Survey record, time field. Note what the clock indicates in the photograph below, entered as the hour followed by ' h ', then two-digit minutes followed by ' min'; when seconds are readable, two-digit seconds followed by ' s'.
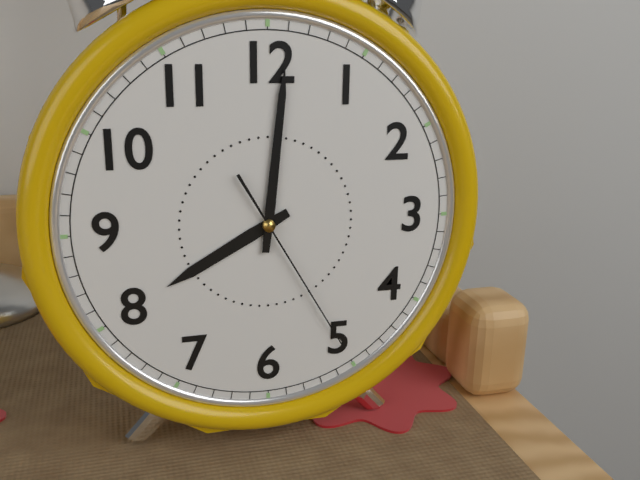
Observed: 8 h 01 min 25 s
